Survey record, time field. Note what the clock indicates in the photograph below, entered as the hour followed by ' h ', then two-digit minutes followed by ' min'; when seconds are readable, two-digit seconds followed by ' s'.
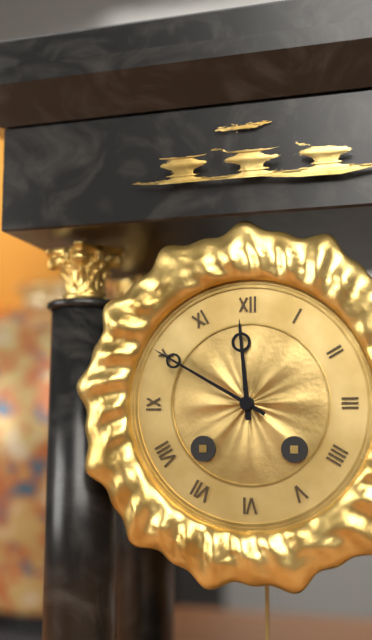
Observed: 11 h 50 min
